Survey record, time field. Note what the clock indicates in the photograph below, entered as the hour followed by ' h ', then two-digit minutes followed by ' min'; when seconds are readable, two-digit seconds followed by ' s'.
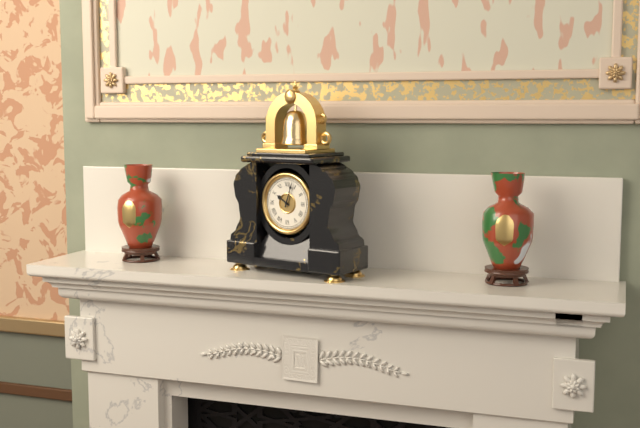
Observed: 10 h 03 min
